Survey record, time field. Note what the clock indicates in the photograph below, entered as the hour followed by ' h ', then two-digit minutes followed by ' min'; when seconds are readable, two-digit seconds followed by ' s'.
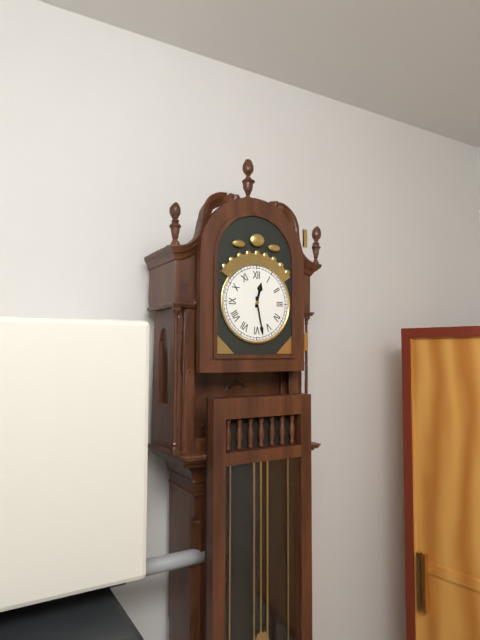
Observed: 12 h 28 min
